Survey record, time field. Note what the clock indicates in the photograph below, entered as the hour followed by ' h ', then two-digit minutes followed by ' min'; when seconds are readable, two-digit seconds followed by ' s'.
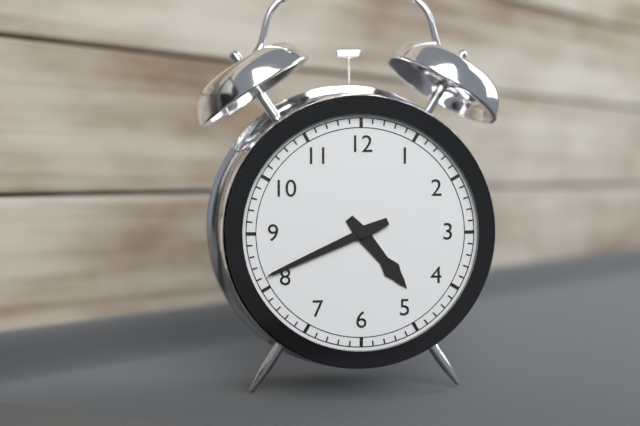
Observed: 4 h 41 min
